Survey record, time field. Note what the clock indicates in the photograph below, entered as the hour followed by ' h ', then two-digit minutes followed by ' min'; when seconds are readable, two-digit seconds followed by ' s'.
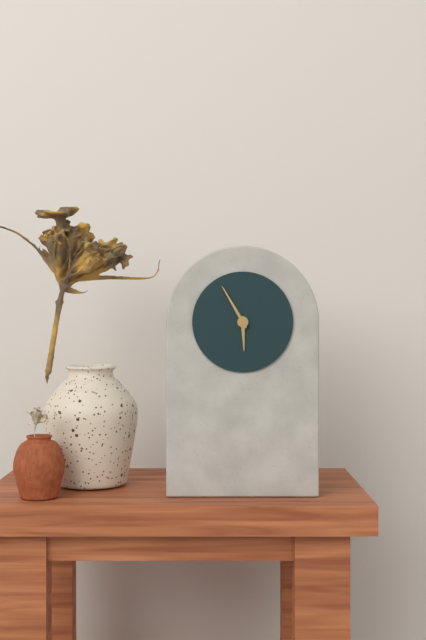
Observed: 5 h 55 min
